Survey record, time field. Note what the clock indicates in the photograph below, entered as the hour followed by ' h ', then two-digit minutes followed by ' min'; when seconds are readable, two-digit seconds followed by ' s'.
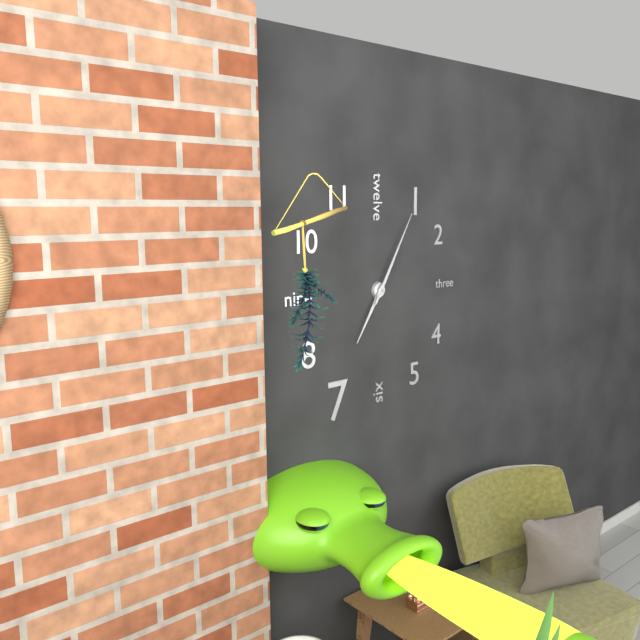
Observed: 7 h 05 min
